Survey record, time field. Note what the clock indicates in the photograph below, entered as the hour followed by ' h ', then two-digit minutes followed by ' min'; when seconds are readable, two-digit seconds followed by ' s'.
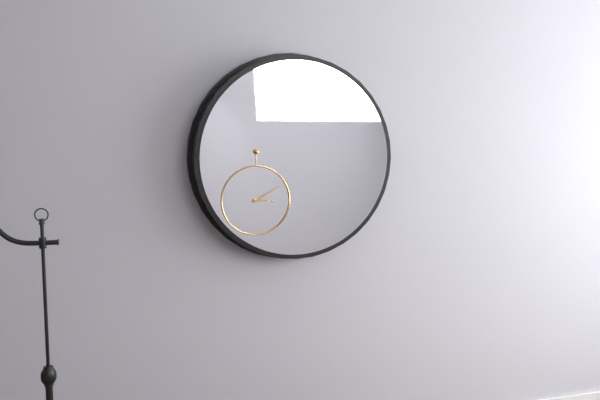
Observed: 3 h 10 min
